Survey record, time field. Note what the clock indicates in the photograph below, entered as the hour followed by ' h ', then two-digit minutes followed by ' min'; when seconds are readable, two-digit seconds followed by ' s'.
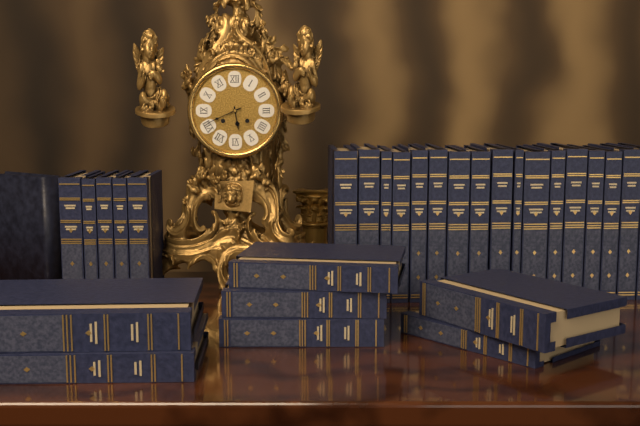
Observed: 5 h 41 min
